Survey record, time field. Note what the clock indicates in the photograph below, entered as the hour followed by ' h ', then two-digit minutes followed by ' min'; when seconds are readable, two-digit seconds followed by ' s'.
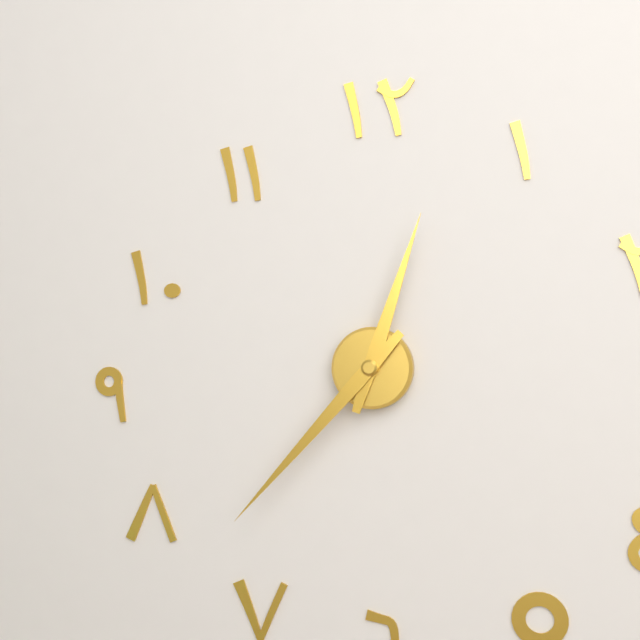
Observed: 12 h 37 min
